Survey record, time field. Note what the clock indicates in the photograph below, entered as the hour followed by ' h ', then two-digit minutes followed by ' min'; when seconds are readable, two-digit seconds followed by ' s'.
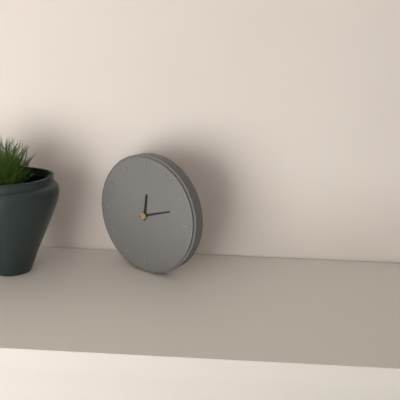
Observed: 12 h 12 min
